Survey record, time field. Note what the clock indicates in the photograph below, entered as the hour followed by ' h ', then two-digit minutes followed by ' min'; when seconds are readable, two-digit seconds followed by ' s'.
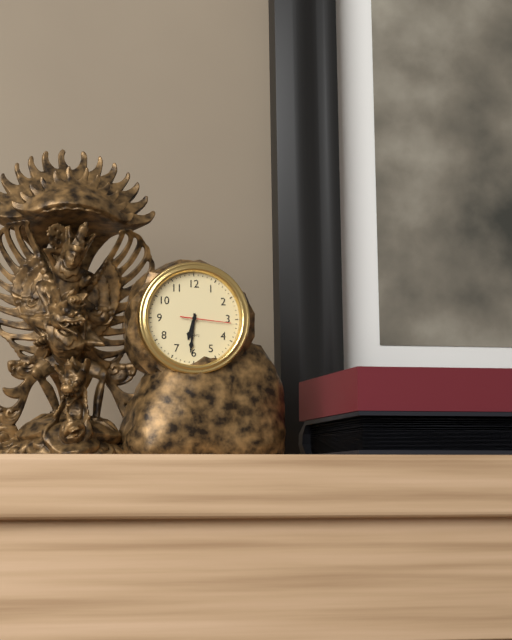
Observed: 6 h 31 min
